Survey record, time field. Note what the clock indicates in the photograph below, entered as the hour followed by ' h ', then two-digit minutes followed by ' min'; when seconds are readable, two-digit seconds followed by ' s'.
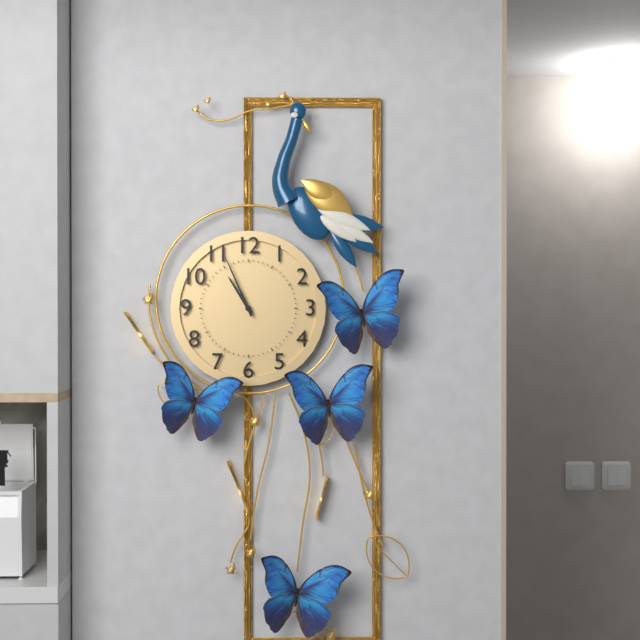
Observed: 10 h 56 min
